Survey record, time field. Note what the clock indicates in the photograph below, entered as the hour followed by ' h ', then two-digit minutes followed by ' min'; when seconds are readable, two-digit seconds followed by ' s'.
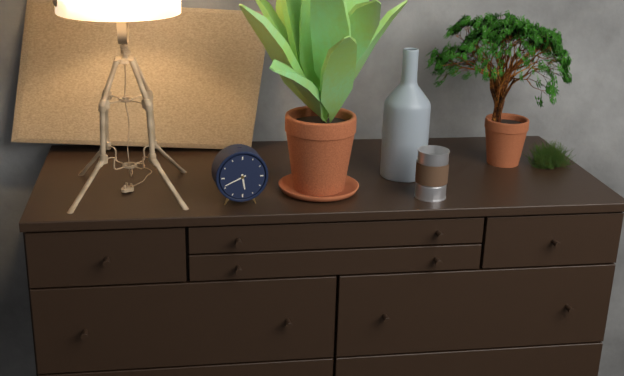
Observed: 5 h 41 min
